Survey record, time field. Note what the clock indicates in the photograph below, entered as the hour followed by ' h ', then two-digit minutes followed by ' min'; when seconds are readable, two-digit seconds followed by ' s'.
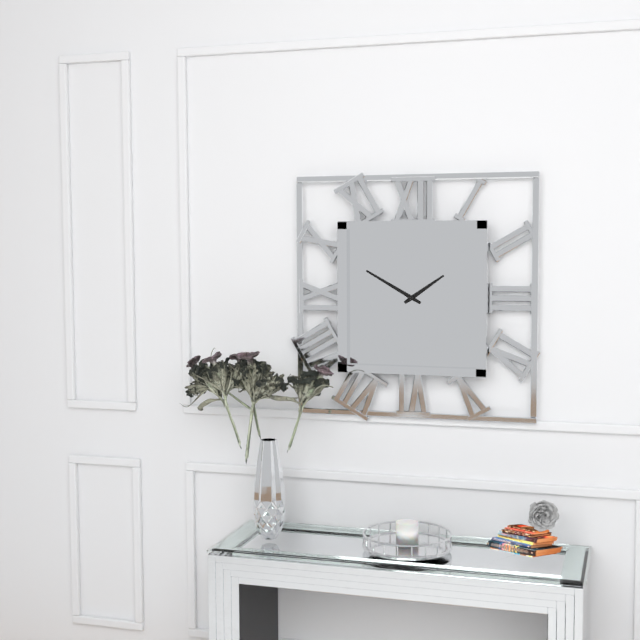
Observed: 1 h 50 min
